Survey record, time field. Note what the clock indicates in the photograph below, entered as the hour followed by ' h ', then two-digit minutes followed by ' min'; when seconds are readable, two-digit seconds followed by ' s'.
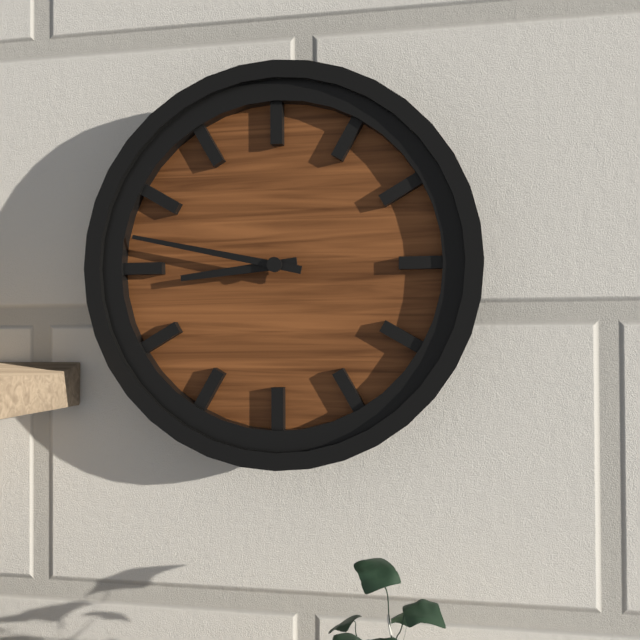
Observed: 8 h 47 min
